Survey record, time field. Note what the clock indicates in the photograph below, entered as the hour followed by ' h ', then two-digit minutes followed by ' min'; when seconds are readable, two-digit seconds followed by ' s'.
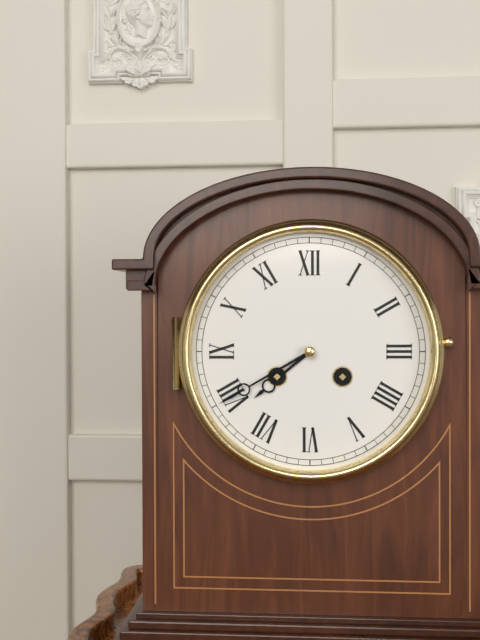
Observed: 7 h 40 min
